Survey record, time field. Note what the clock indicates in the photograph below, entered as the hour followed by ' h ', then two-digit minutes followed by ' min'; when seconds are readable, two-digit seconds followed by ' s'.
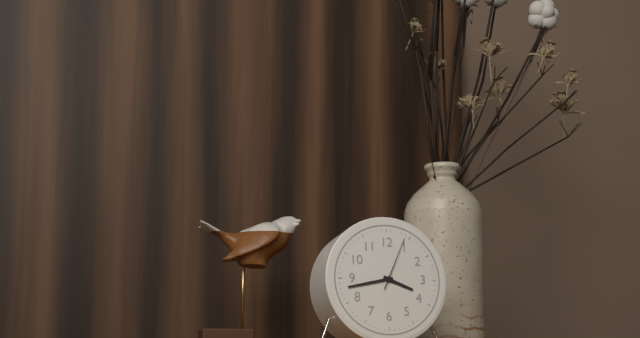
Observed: 3 h 43 min 04 s
